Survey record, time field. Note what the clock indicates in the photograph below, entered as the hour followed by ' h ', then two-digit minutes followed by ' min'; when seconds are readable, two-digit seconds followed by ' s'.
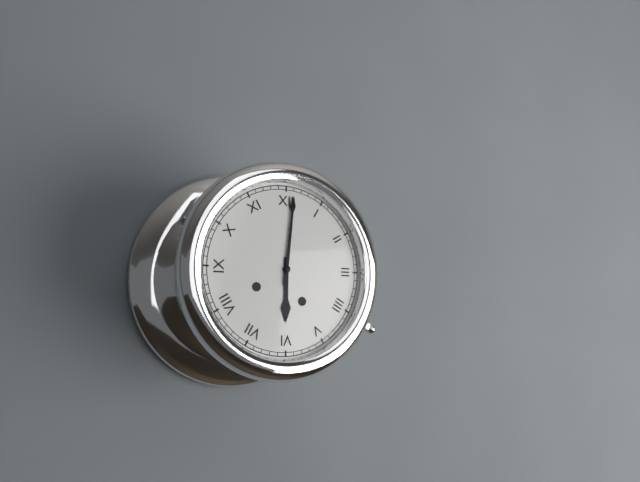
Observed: 6 h 01 min
